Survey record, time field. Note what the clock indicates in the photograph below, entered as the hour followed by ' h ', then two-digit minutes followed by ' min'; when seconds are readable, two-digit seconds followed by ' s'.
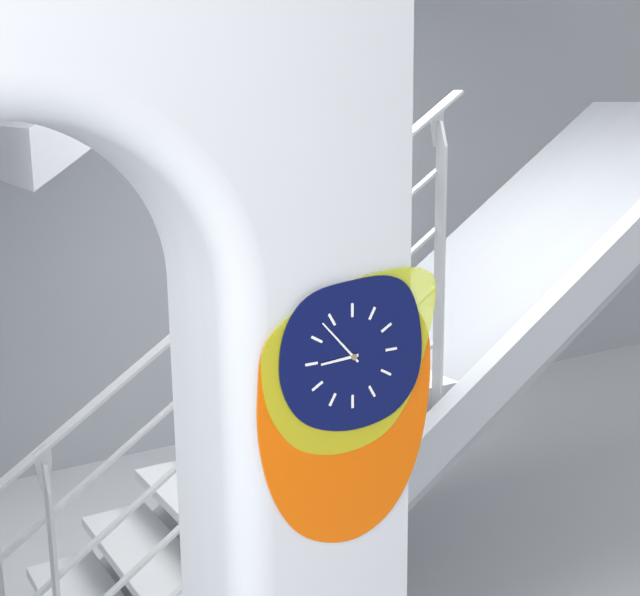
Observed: 8 h 53 min
